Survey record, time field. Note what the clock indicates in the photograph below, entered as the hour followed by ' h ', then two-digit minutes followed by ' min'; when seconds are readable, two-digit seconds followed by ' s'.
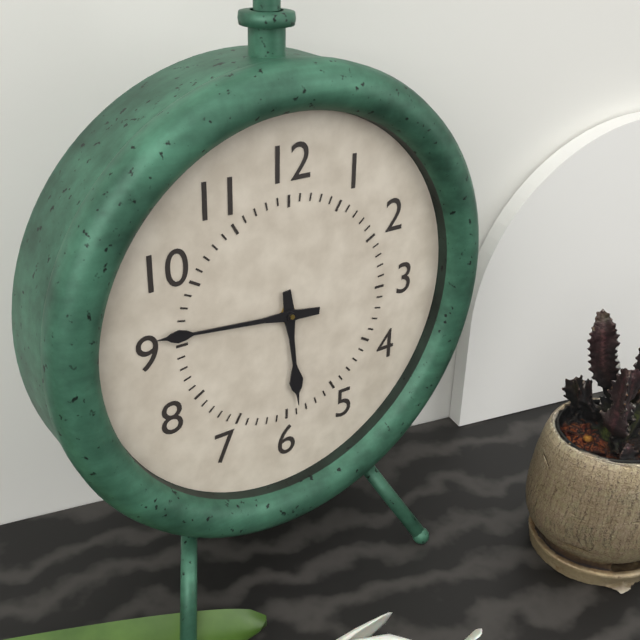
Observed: 5 h 46 min
